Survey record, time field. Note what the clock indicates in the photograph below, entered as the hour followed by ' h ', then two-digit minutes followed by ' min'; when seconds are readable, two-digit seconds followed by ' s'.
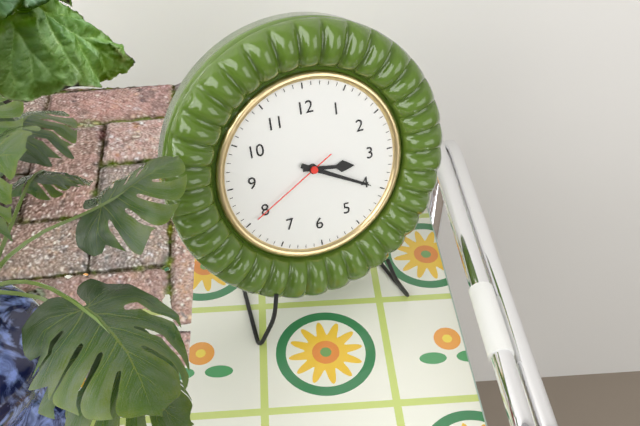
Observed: 3 h 20 min 40 s
